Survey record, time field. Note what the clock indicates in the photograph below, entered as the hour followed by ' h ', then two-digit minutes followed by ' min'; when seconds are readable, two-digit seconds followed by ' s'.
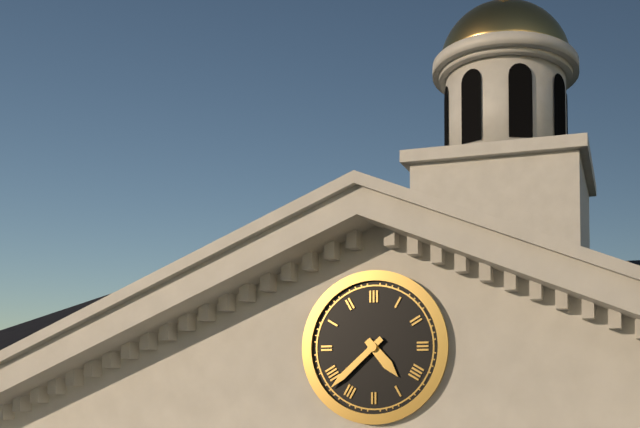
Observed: 4 h 38 min
